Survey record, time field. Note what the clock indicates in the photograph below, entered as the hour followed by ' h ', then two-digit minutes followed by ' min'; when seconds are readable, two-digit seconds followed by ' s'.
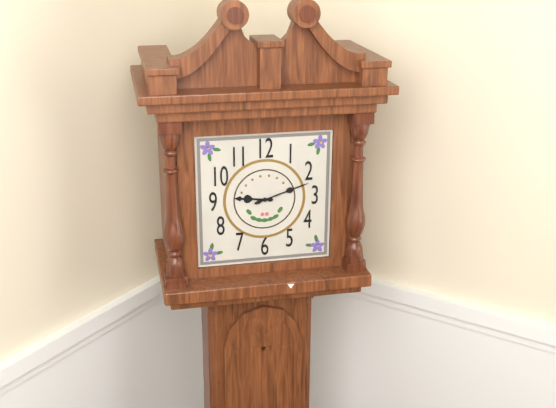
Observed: 9 h 12 min
